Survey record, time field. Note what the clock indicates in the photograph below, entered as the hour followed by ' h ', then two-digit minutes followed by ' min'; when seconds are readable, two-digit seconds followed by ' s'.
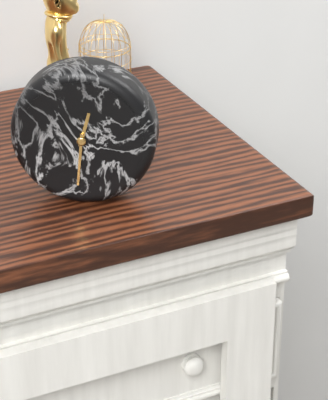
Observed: 12 h 31 min
